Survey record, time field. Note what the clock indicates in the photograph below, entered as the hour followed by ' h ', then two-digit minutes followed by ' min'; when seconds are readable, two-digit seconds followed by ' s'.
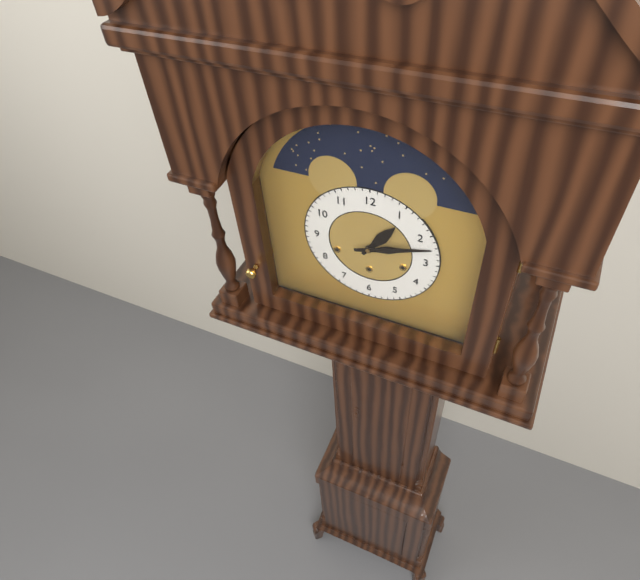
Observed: 1 h 12 min
